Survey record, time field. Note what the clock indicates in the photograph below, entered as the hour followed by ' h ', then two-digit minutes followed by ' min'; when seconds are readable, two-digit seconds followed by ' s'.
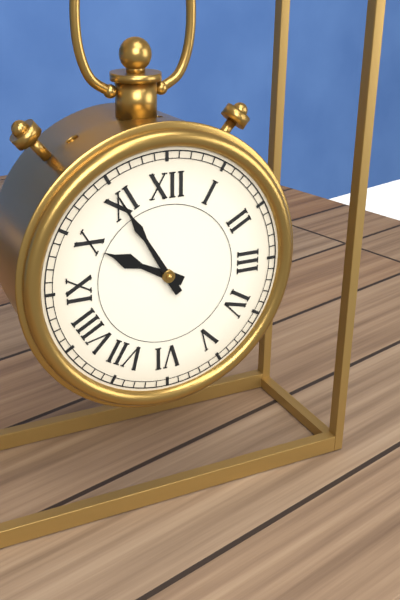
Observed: 9 h 55 min
